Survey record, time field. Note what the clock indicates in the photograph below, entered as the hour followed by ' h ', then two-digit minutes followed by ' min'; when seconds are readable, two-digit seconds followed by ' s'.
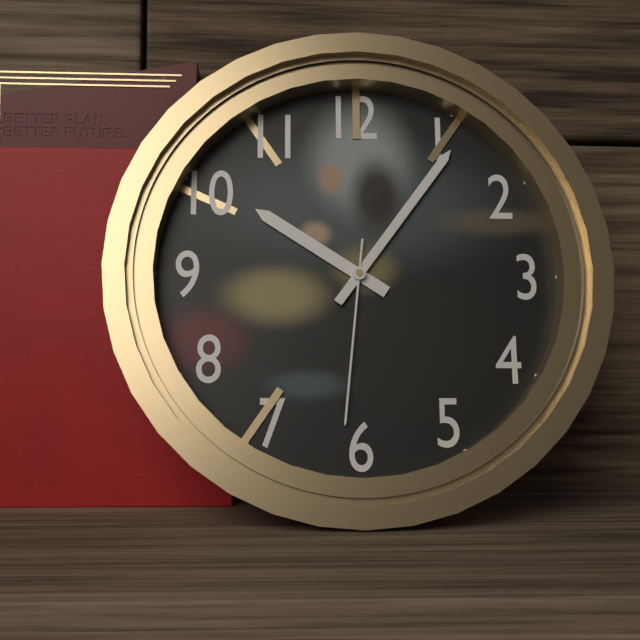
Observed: 10 h 06 min 31 s
